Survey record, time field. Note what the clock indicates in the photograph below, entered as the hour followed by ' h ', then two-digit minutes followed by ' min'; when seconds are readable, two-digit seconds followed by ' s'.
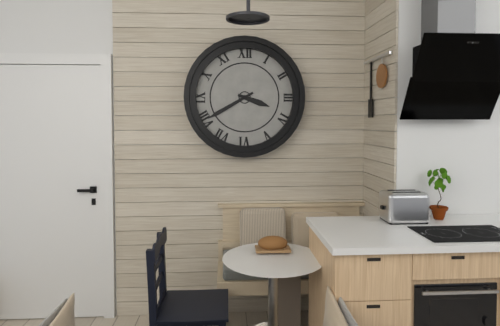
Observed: 3 h 40 min
